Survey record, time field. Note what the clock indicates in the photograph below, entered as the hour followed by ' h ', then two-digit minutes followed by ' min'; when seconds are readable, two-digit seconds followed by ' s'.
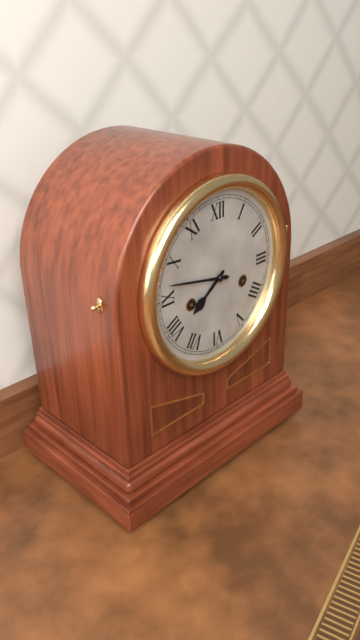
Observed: 7 h 47 min
